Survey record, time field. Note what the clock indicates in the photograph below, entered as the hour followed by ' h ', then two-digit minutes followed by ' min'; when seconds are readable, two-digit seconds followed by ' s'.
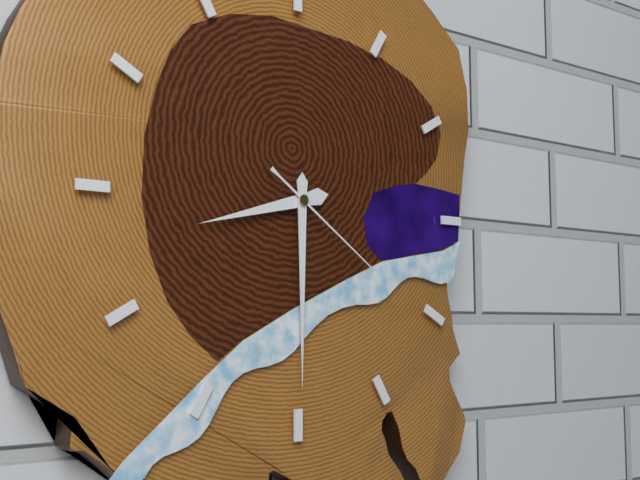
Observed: 8 h 30 min 21 s
